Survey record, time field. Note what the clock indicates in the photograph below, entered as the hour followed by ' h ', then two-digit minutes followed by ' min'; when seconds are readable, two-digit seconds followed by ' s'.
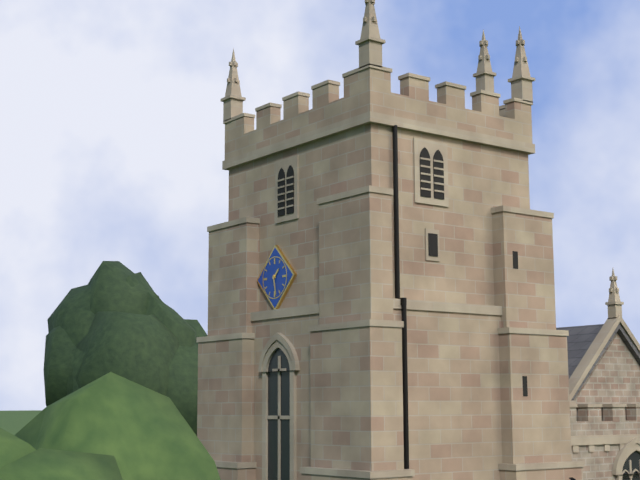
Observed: 1 h 28 min
